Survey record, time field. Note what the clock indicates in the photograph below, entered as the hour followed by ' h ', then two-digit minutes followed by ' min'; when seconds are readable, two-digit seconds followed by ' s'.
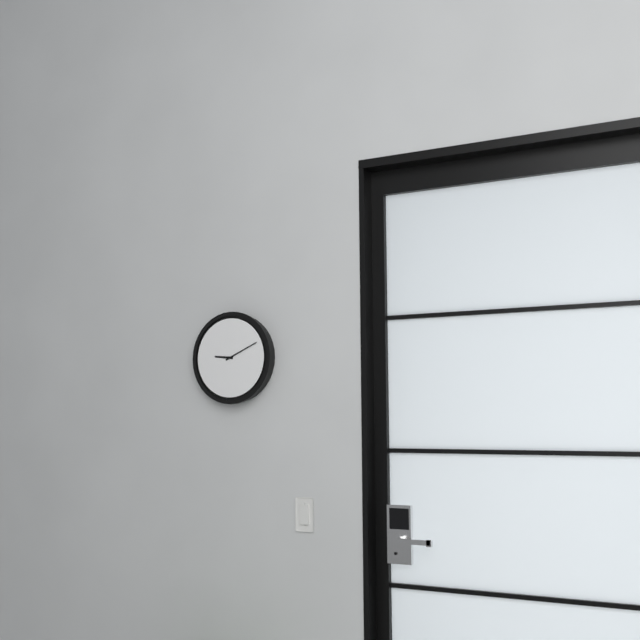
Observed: 9 h 11 min
